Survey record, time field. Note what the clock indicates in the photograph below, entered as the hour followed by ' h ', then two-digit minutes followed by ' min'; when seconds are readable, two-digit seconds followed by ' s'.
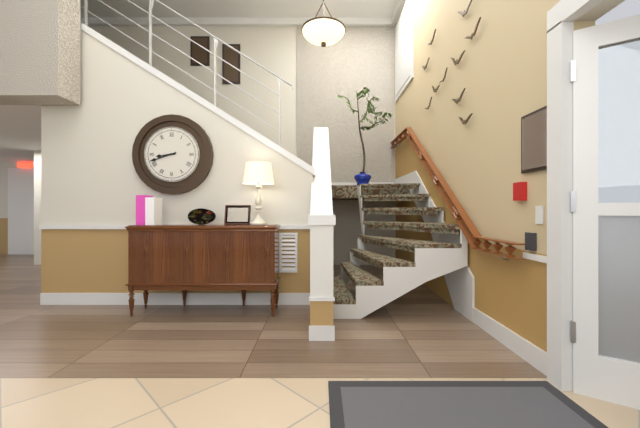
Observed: 8 h 42 min
